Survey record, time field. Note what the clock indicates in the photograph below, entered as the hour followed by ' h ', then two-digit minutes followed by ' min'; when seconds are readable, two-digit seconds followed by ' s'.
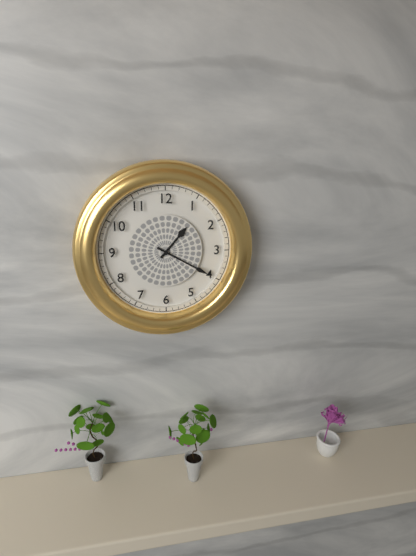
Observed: 1 h 20 min
